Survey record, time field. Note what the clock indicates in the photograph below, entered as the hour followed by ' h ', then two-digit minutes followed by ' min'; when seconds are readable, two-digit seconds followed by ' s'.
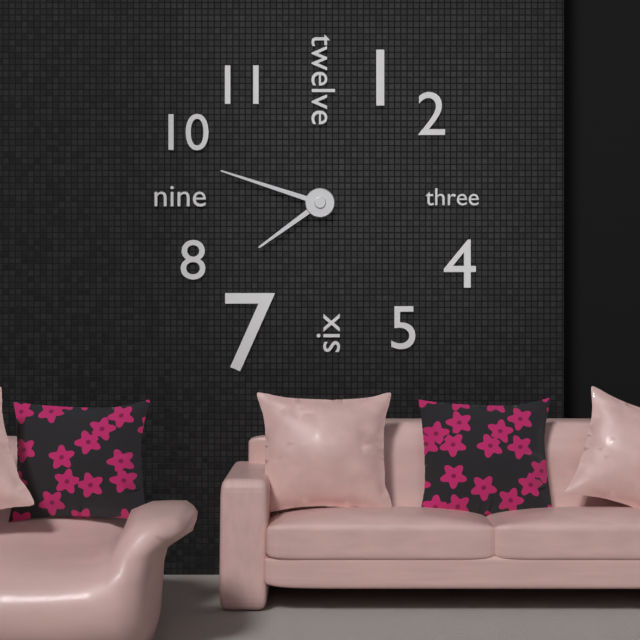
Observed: 7 h 48 min
